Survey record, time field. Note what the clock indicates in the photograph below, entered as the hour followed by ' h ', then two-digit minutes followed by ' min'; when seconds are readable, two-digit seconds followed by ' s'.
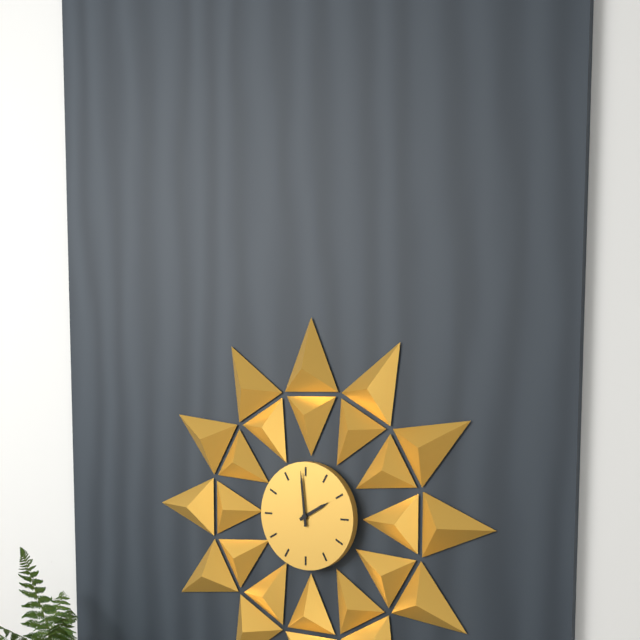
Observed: 1 h 59 min
